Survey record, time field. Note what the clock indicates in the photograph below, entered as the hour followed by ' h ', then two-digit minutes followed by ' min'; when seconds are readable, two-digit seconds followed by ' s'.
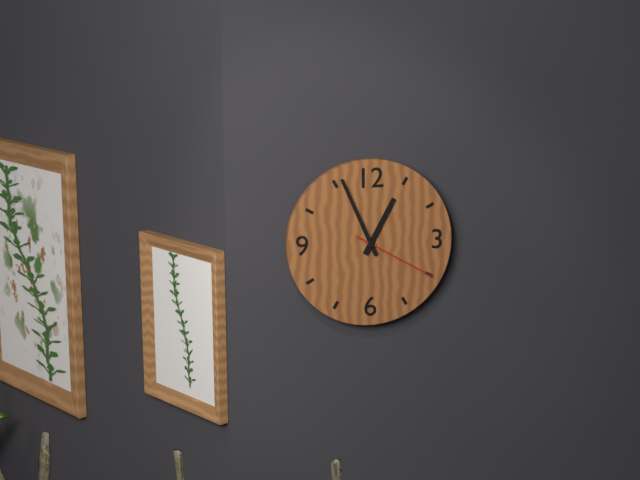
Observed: 12 h 56 min 20 s
